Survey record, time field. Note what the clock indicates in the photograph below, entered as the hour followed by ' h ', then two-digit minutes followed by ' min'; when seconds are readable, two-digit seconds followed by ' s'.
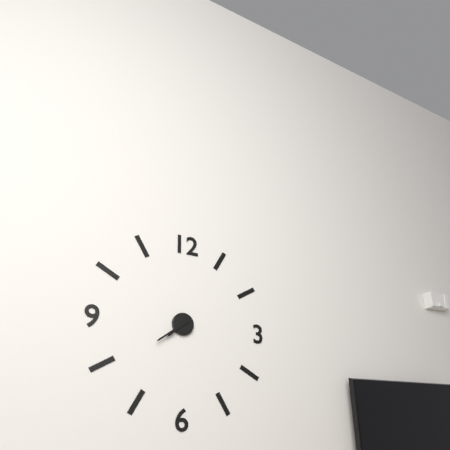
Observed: 7 h 39 min
